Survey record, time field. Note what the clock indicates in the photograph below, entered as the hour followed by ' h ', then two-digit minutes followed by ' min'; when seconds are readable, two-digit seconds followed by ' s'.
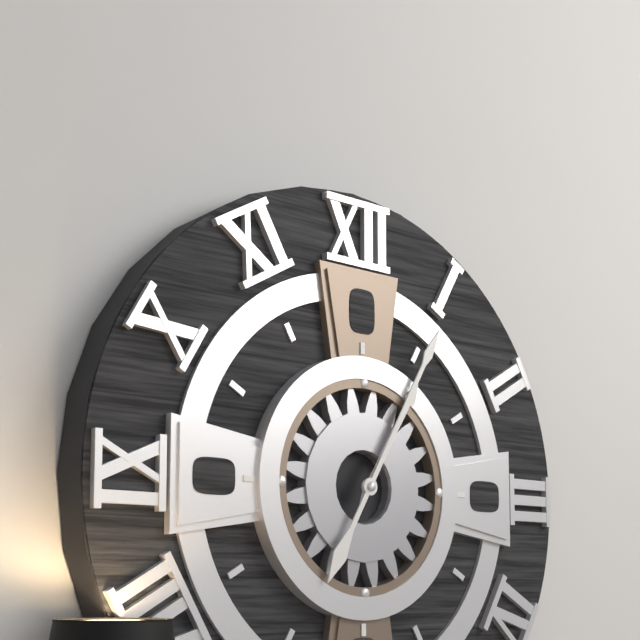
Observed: 1 h 05 min
